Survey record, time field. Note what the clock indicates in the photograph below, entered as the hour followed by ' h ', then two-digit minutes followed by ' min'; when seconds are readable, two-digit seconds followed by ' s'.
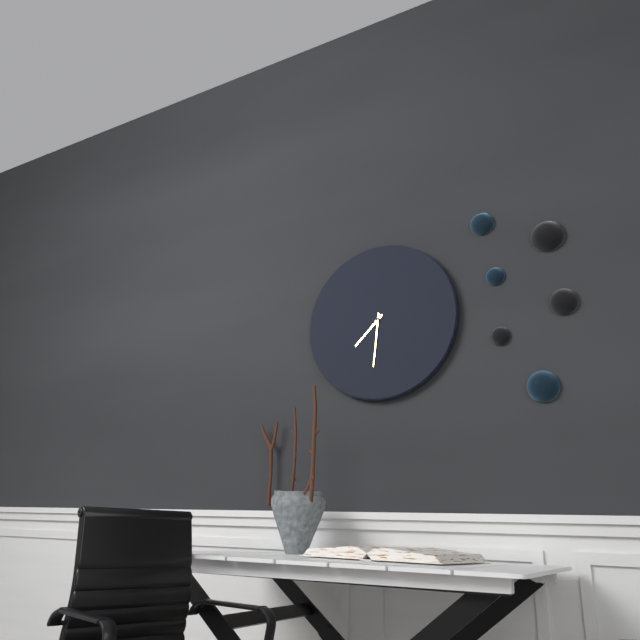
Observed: 7 h 31 min
